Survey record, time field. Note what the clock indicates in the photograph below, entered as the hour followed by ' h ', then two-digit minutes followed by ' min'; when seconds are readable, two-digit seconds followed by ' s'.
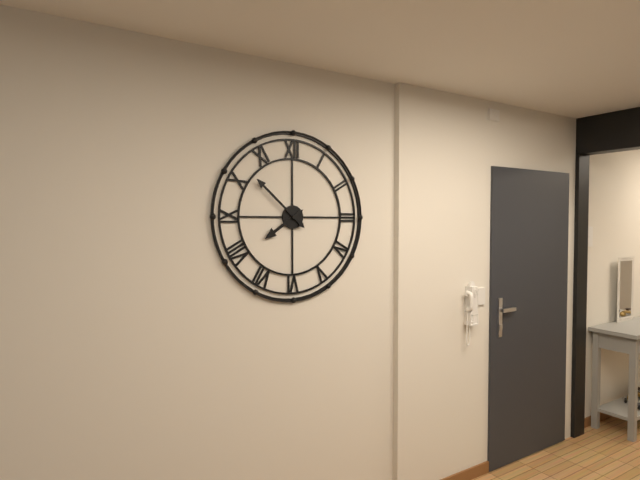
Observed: 7 h 52 min
